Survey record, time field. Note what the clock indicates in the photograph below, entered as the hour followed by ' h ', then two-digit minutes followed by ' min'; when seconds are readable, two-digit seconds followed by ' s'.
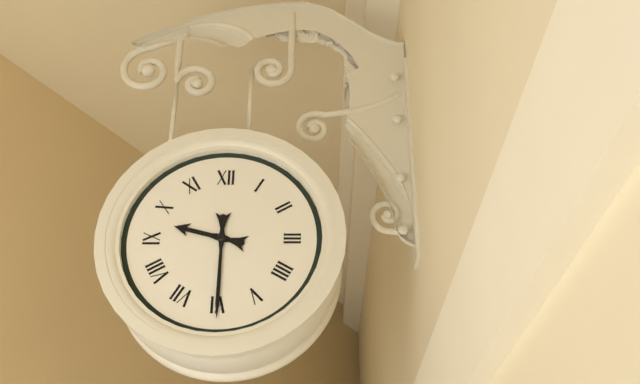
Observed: 9 h 30 min
